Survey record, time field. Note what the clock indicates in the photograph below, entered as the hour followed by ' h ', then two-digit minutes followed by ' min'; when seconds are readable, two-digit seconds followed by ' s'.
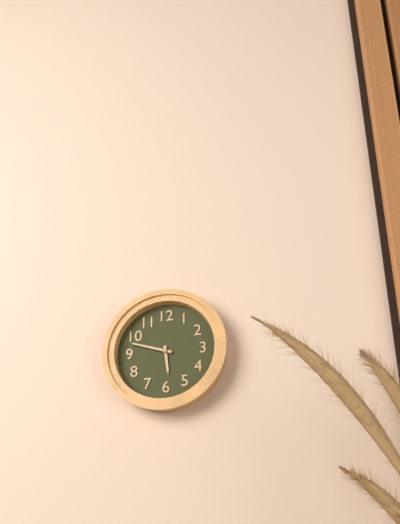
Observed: 5 h 48 min
